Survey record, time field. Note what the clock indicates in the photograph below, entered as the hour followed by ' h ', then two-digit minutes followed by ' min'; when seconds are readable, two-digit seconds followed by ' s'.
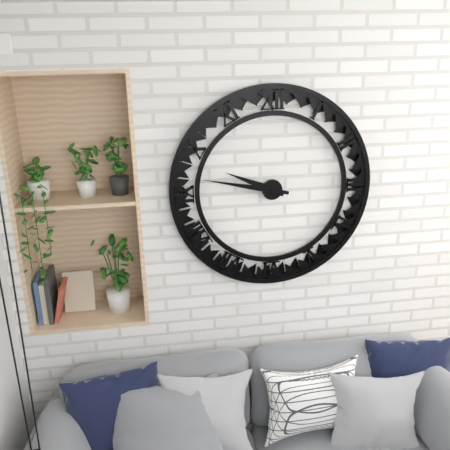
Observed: 9 h 47 min
